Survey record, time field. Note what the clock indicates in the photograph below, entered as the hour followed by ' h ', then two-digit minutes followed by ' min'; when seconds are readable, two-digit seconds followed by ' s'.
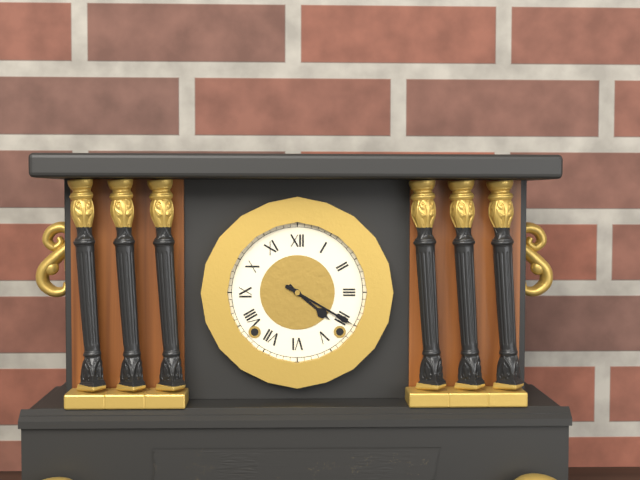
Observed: 4 h 20 min
